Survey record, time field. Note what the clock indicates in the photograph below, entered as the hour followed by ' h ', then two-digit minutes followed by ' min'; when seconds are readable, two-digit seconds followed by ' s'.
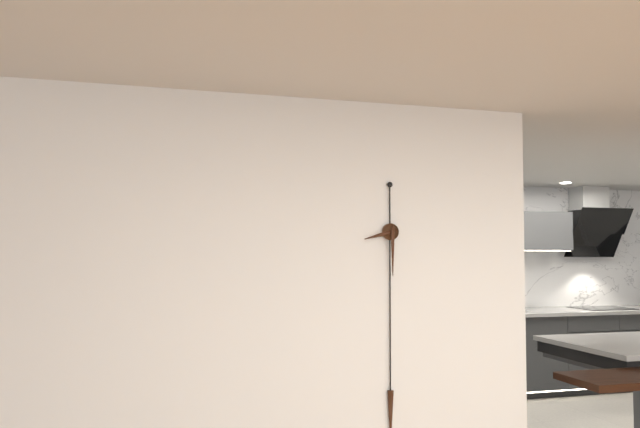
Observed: 8 h 30 min
